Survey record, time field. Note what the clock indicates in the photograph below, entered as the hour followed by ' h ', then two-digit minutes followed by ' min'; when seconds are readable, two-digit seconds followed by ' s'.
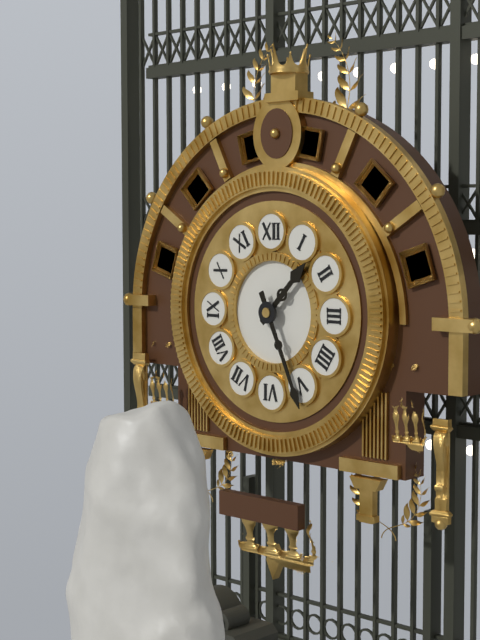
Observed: 1 h 26 min
